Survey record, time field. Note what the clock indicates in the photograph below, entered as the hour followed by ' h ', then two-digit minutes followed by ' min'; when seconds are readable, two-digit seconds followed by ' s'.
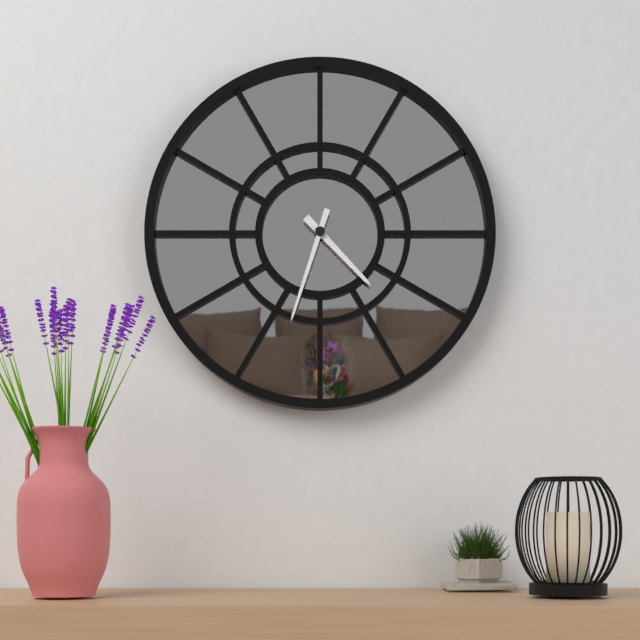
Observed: 4 h 33 min
